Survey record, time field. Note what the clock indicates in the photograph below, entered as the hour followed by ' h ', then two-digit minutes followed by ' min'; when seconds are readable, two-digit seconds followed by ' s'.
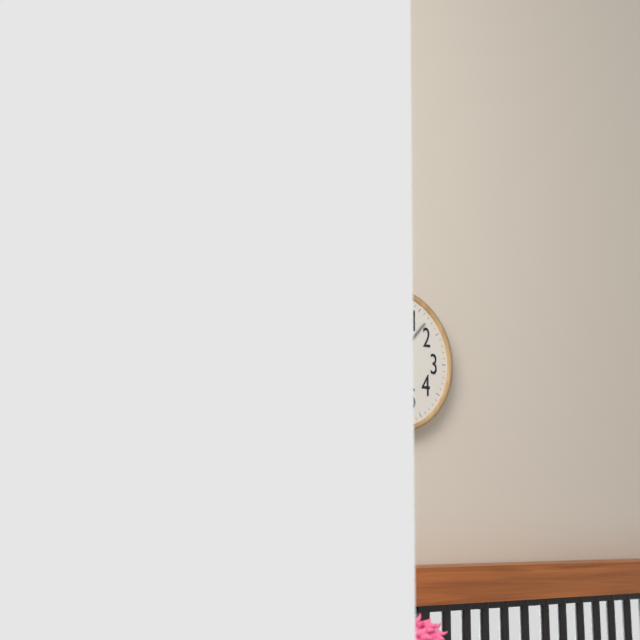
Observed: 7 h 07 min 55 s
